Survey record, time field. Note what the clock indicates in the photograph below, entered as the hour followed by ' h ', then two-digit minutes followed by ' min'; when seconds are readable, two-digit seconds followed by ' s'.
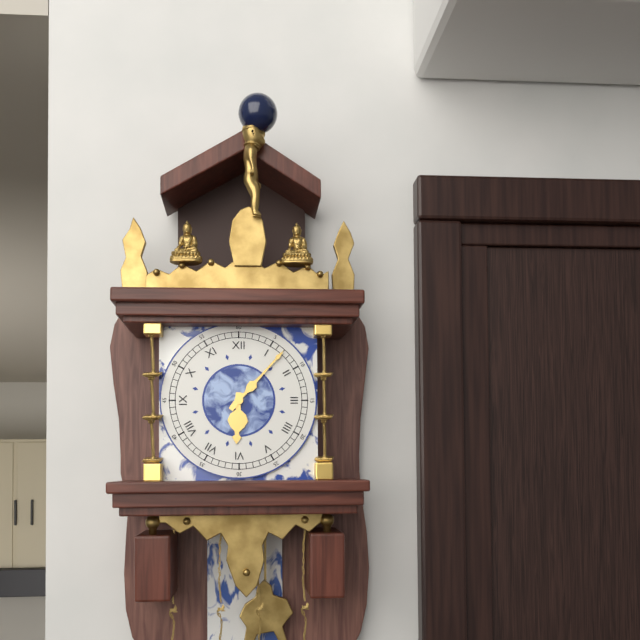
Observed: 6 h 07 min
